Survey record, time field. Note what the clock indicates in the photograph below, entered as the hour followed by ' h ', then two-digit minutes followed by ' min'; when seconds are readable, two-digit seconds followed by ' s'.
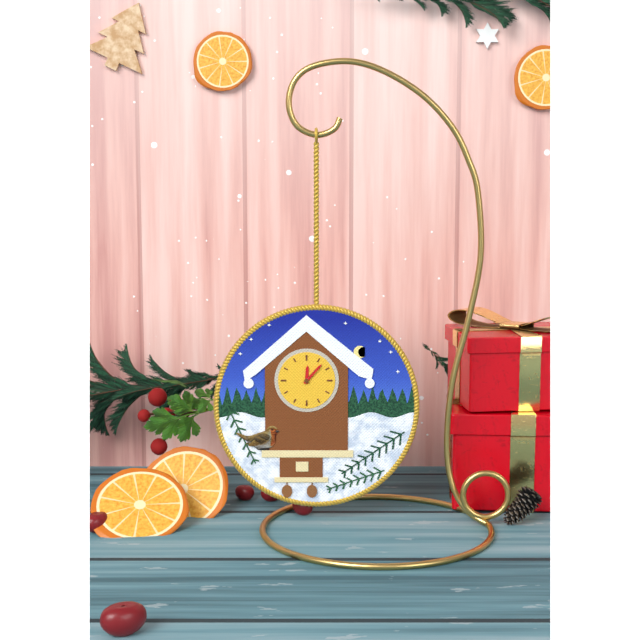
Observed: 12 h 07 min
